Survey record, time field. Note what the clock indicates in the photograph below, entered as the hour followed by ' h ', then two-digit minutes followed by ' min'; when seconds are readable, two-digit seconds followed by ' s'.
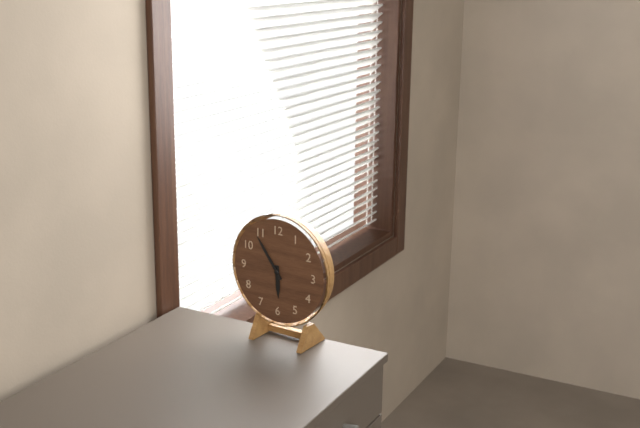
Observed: 5 h 54 min
